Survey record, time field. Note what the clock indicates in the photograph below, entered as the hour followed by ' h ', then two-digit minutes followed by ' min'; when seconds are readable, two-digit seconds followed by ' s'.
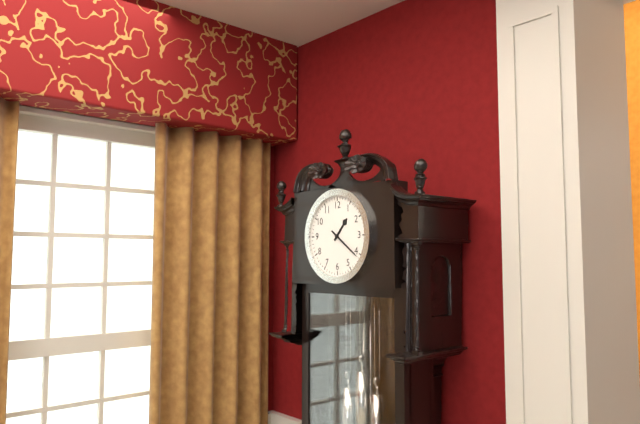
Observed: 1 h 21 min
